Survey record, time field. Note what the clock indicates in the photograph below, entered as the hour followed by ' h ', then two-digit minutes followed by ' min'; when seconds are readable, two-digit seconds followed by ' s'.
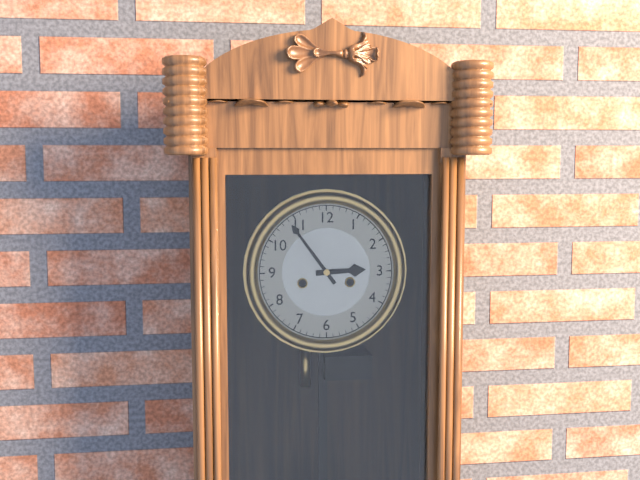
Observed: 2 h 54 min
